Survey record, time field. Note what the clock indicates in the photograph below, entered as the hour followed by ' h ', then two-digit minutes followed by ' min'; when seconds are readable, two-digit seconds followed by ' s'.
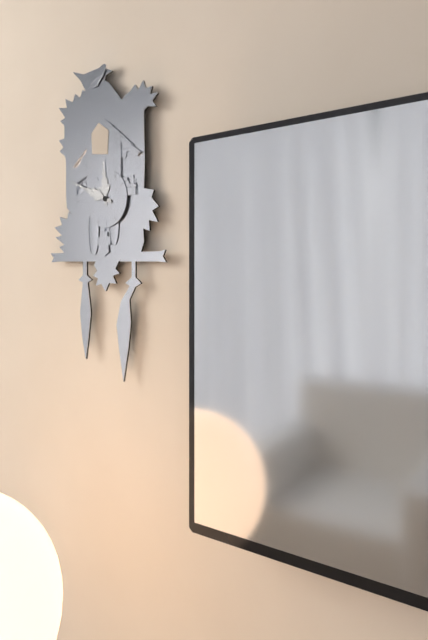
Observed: 11 h 49 min
